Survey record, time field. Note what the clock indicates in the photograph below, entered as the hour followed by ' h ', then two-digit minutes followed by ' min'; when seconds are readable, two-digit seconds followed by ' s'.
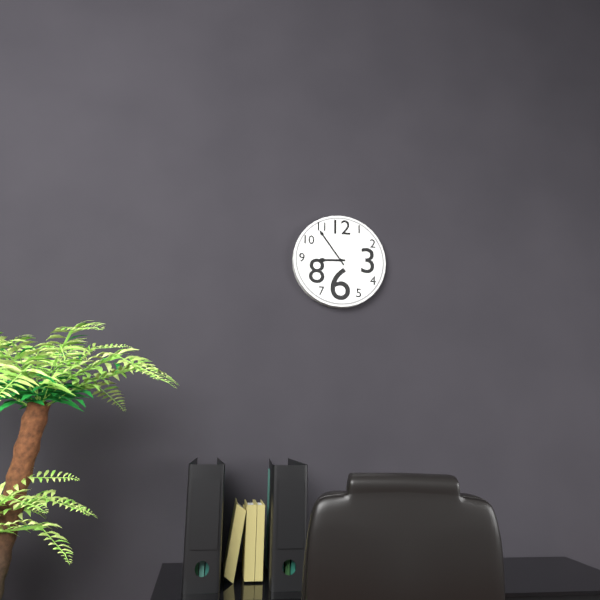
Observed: 8 h 54 min
